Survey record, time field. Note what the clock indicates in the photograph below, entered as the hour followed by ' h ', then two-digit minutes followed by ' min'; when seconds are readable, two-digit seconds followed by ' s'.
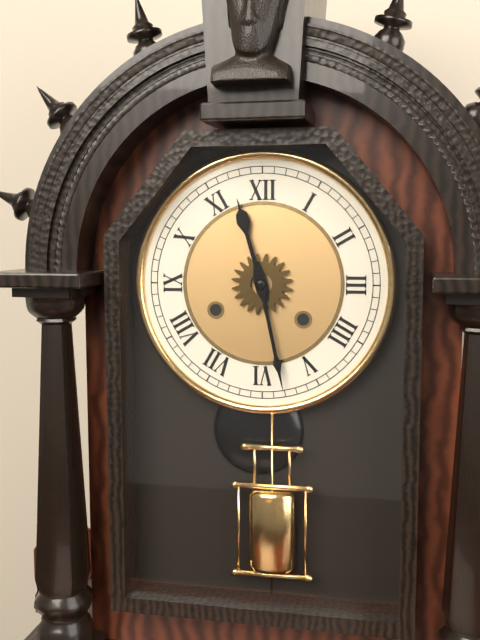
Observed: 11 h 28 min
